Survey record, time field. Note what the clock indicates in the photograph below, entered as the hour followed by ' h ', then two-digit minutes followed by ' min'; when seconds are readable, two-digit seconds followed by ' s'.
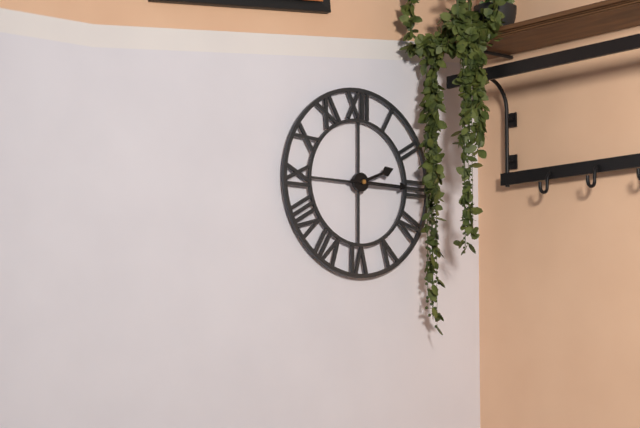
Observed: 2 h 15 min
